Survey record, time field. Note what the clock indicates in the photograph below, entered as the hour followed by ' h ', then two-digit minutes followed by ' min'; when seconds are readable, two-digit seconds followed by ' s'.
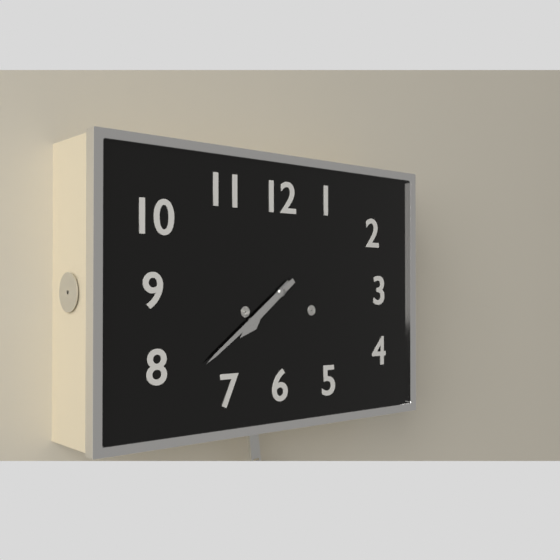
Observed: 7 h 39 min
